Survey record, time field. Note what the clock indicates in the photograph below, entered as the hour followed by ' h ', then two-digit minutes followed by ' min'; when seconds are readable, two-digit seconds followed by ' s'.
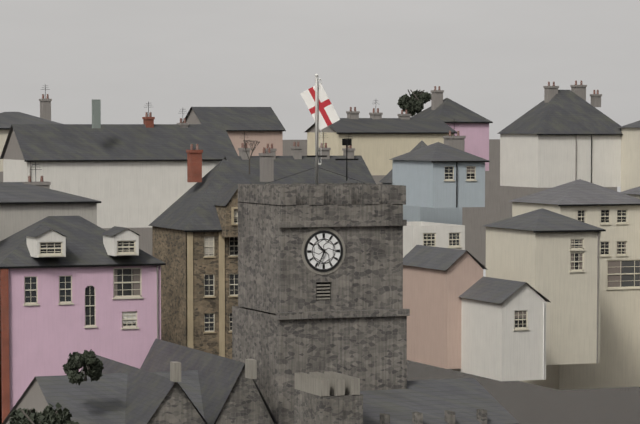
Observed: 10 h 34 min
